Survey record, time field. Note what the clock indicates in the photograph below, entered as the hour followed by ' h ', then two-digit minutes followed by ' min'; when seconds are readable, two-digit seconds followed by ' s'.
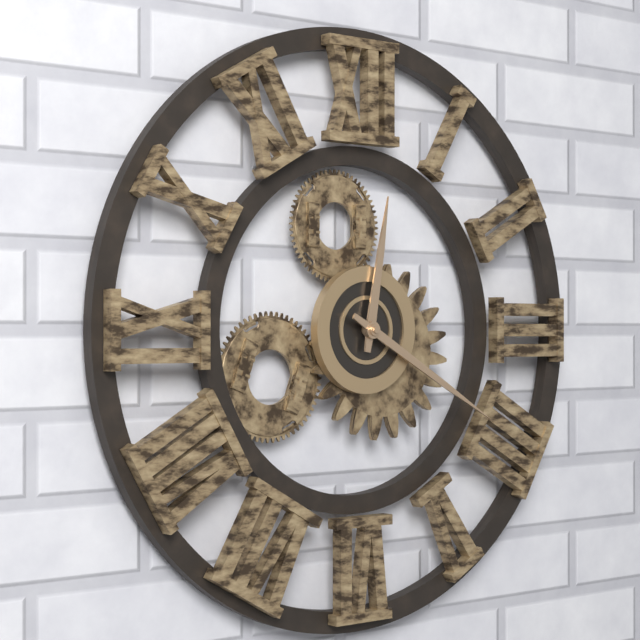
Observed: 12 h 20 min
